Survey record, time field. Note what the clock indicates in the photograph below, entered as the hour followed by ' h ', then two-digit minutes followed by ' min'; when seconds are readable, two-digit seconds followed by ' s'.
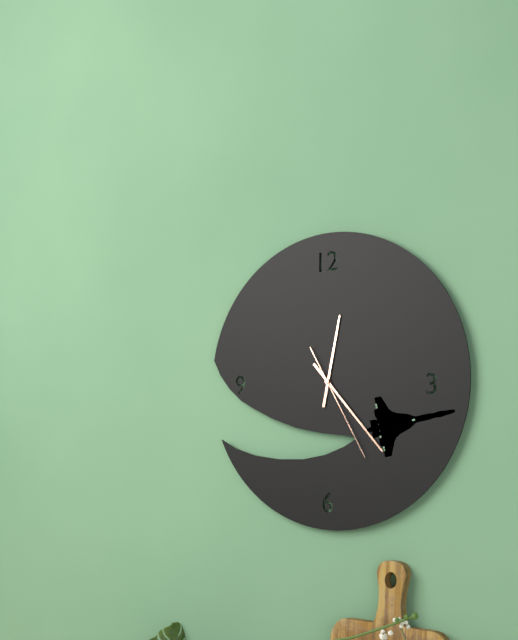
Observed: 12 h 23 min 25 s
